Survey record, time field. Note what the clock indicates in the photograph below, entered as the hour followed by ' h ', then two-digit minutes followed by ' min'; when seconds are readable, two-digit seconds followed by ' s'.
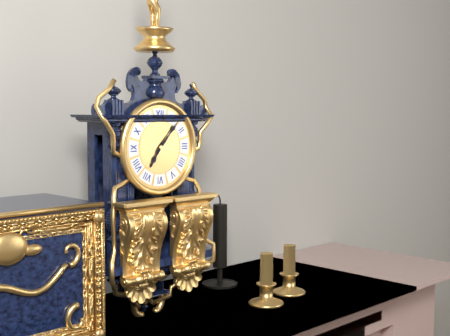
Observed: 7 h 07 min
